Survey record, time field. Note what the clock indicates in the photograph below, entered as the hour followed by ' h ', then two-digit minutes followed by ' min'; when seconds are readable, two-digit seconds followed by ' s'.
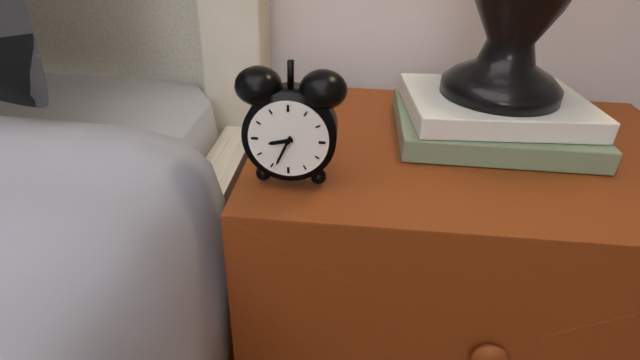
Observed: 8 h 34 min
